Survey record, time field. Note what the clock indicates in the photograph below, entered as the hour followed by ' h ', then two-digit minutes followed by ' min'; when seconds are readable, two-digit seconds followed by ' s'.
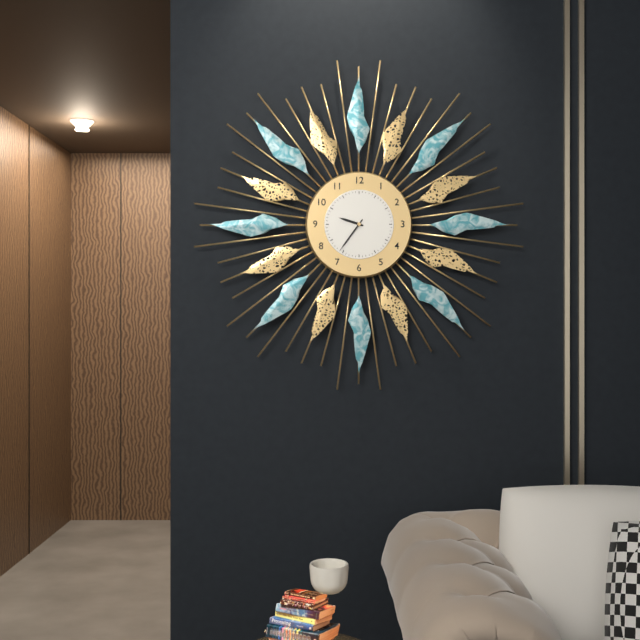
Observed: 9 h 36 min
